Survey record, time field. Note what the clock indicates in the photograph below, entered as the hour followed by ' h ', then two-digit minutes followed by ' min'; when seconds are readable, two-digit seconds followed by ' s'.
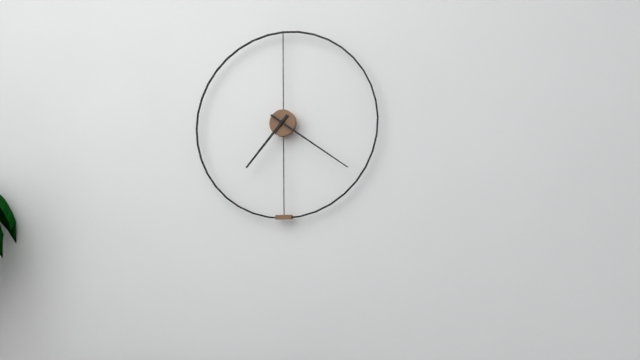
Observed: 7 h 21 min
